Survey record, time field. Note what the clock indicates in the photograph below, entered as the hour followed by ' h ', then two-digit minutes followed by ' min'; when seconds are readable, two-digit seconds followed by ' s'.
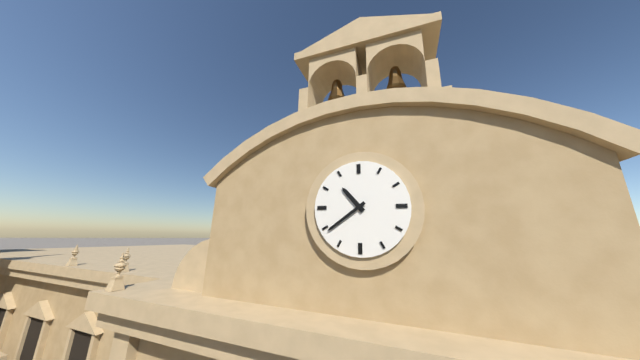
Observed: 10 h 39 min
